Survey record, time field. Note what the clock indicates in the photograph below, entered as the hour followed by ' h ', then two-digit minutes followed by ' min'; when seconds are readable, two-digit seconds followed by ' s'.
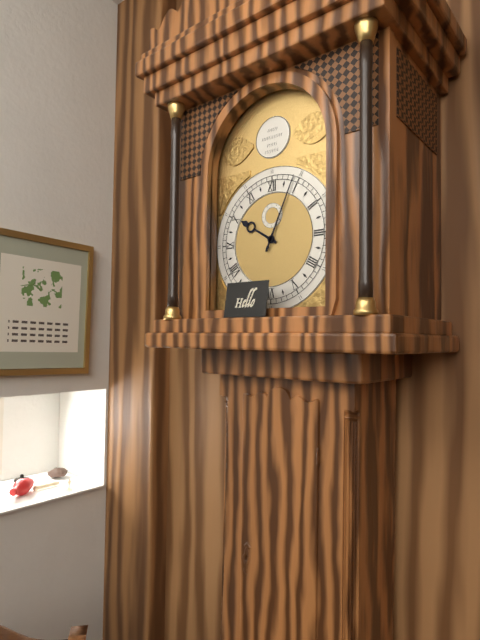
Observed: 10 h 04 min
